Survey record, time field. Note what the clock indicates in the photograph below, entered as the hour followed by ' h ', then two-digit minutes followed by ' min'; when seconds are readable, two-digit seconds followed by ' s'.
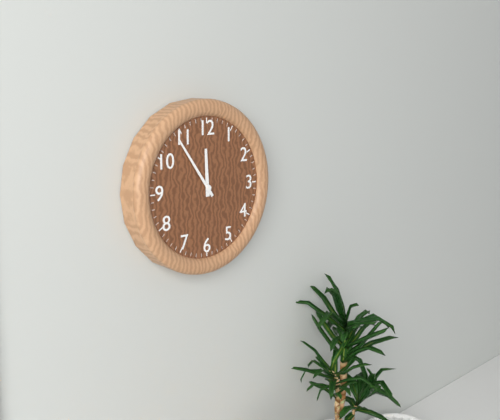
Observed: 11 h 54 min
